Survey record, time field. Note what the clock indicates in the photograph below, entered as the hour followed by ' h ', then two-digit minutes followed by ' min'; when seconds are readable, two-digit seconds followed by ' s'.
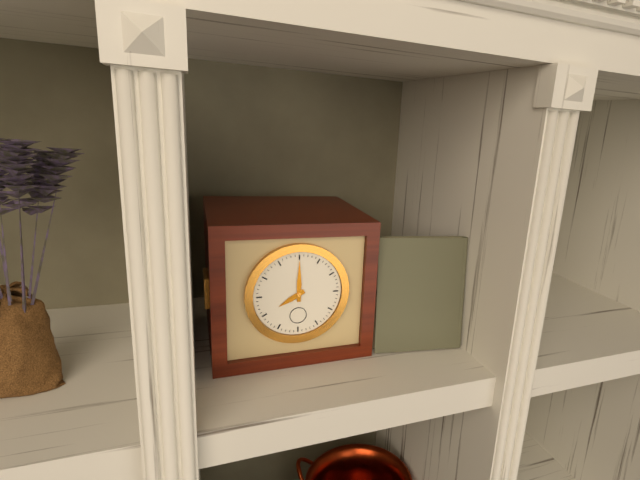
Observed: 8 h 00 min
